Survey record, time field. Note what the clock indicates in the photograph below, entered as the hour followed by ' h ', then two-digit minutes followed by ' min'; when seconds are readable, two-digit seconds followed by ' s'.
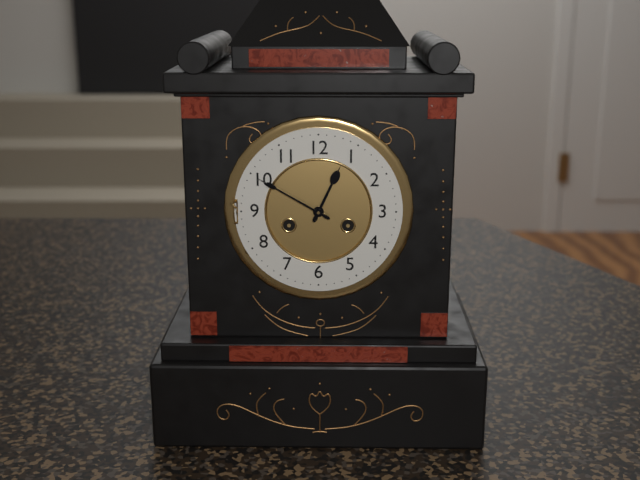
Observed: 12 h 50 min
